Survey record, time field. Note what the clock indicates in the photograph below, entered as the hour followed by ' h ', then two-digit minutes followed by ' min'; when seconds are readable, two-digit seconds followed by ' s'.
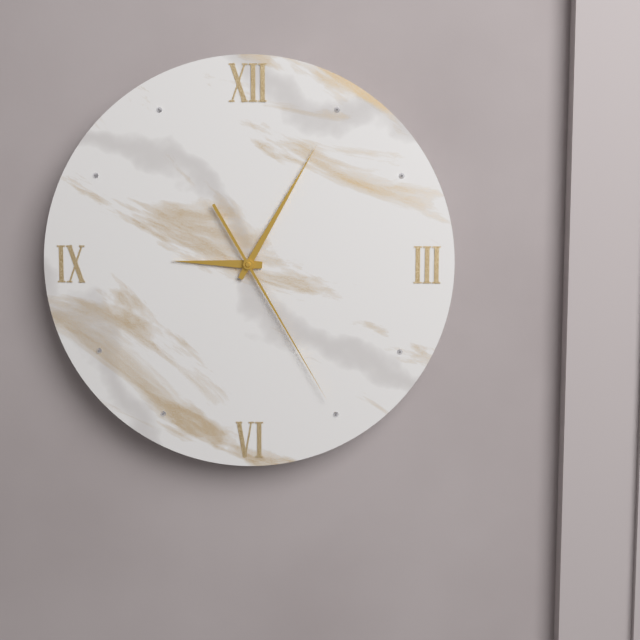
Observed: 9 h 05 min 25 s
